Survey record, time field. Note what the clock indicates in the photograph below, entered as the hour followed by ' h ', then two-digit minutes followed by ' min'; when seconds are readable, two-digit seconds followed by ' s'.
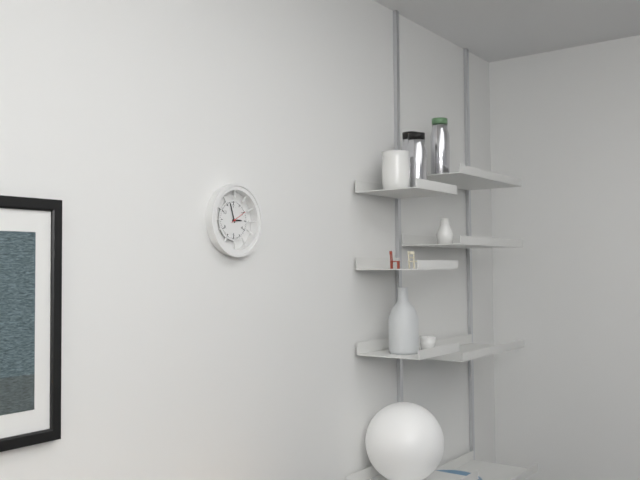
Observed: 2 h 57 min
